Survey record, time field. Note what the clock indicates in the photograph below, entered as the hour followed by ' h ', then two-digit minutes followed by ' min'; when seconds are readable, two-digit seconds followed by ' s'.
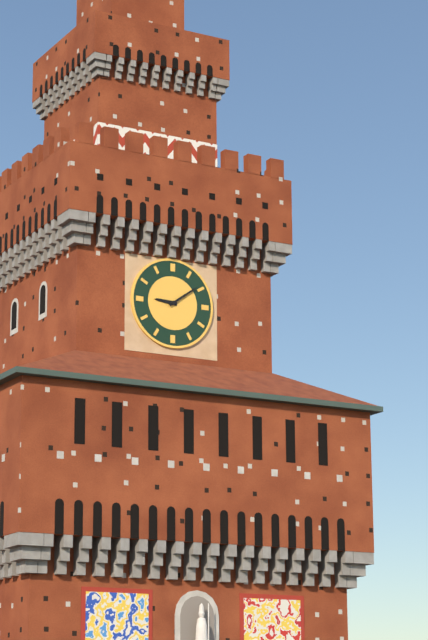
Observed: 9 h 09 min
